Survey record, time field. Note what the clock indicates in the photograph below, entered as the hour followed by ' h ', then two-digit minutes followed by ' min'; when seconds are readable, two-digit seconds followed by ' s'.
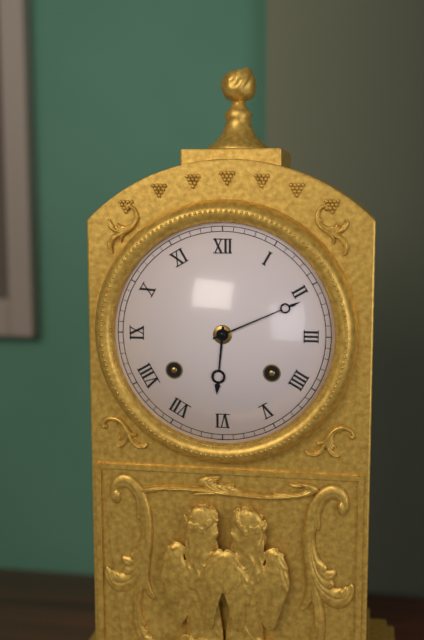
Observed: 6 h 11 min
